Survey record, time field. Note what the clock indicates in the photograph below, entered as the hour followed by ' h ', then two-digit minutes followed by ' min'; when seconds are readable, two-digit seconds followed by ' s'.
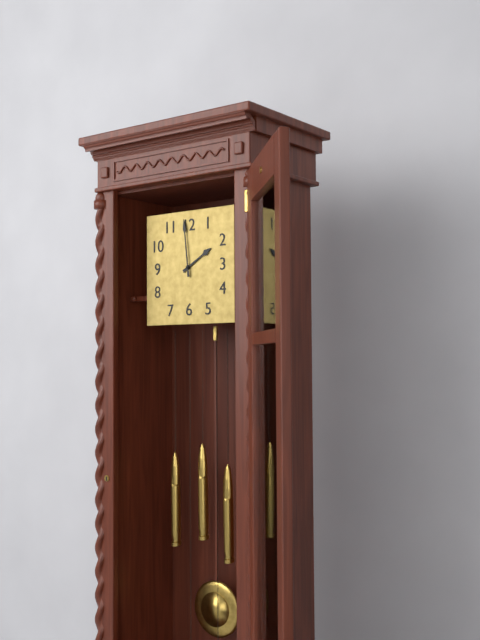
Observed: 1 h 59 min
